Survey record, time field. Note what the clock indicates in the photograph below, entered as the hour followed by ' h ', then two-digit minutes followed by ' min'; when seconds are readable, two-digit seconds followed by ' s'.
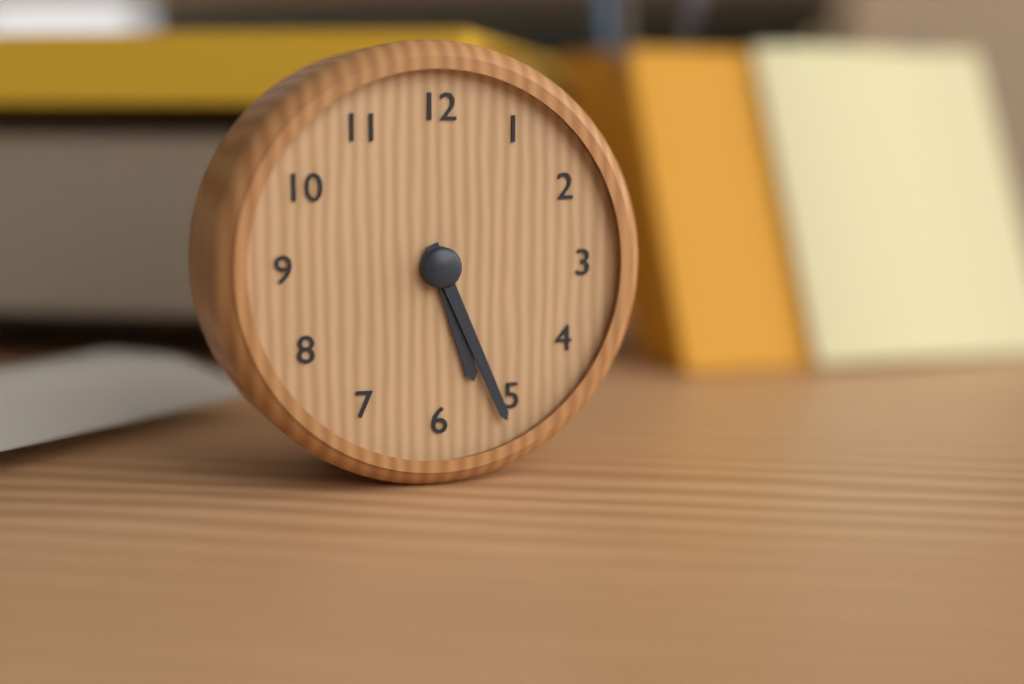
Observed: 5 h 26 min
